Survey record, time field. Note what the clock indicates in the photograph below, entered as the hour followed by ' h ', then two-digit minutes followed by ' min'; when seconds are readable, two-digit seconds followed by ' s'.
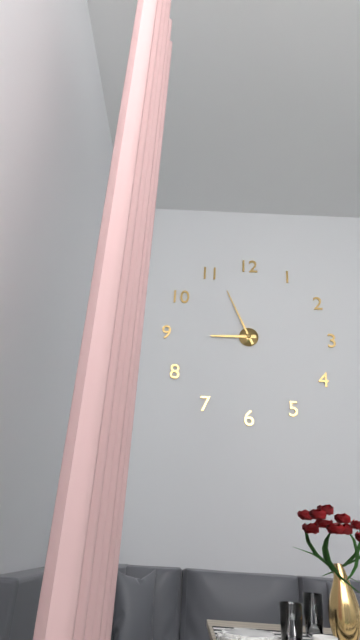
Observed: 8 h 56 min
